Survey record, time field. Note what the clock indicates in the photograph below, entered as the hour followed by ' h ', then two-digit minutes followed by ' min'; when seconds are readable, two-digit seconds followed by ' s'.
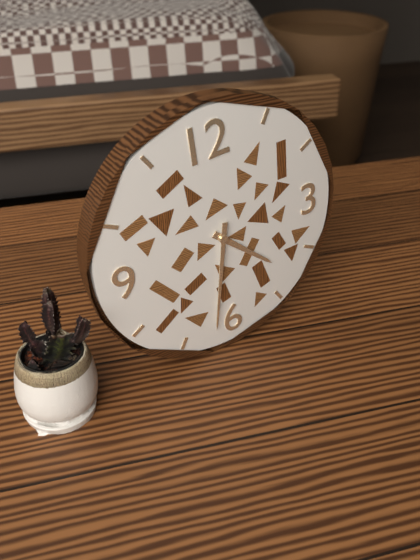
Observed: 4 h 32 min
